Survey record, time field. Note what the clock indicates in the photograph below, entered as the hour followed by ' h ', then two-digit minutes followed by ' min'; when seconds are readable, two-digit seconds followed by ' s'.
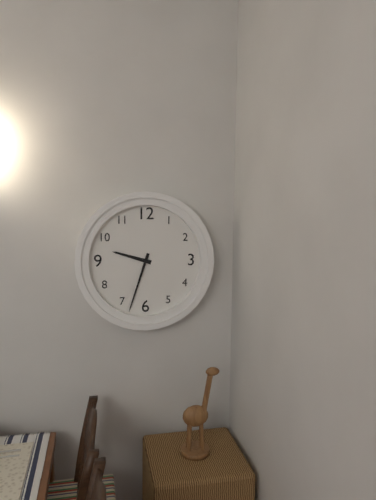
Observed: 9 h 33 min
